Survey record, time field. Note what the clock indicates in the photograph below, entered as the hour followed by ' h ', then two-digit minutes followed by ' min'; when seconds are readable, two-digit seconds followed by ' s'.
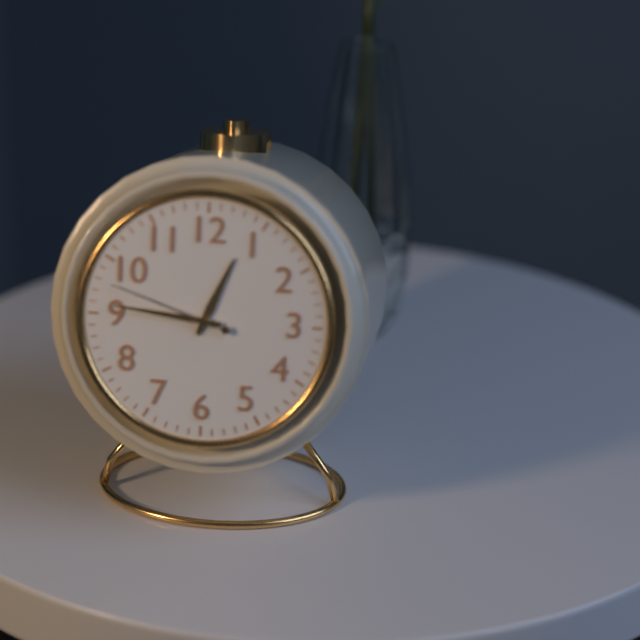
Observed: 12 h 46 min 48 s
